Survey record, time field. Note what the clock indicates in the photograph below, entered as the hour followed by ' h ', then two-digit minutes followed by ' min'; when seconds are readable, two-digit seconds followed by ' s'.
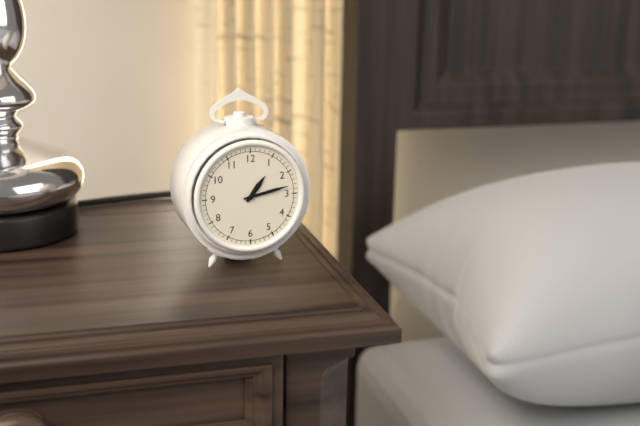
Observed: 1 h 13 min
